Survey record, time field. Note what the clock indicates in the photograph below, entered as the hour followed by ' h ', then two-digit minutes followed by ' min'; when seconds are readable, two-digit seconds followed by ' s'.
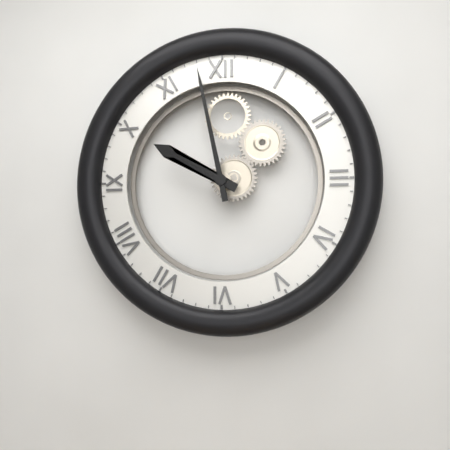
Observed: 9 h 58 min
